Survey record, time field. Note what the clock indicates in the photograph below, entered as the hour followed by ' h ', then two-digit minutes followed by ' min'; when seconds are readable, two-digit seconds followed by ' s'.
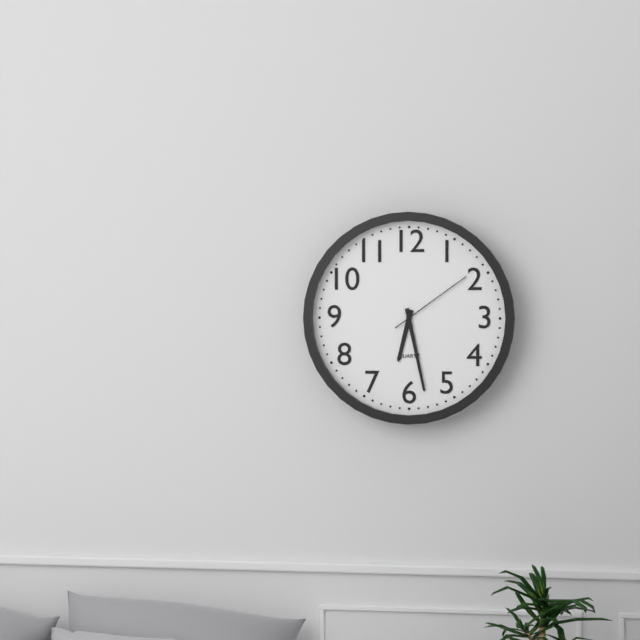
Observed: 6 h 28 min 09 s
